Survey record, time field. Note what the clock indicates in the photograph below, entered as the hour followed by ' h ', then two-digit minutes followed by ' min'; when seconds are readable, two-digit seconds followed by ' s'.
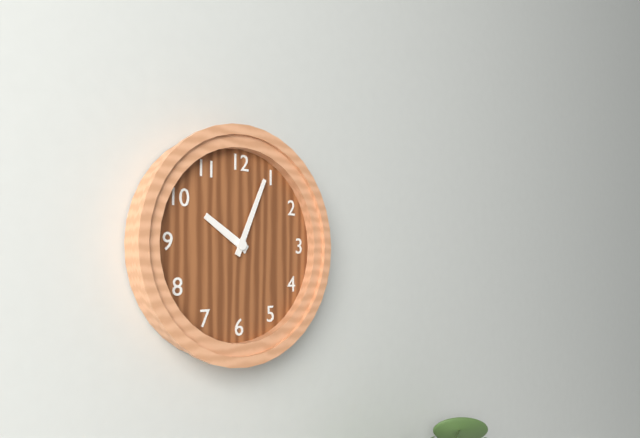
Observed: 10 h 04 min
